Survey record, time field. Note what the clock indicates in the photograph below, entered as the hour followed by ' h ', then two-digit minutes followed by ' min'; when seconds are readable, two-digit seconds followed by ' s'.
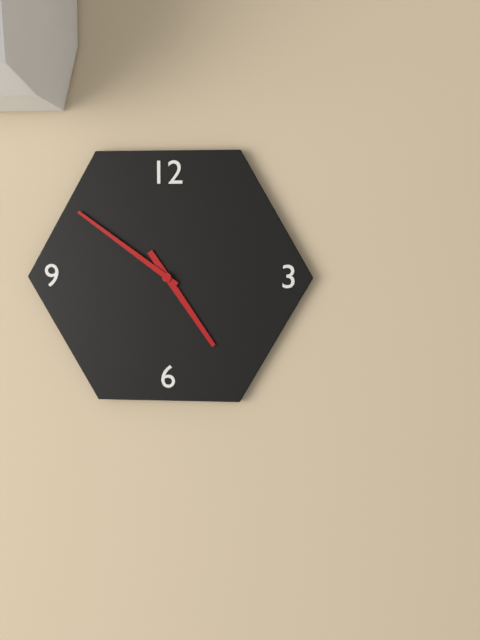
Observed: 4 h 51 min
